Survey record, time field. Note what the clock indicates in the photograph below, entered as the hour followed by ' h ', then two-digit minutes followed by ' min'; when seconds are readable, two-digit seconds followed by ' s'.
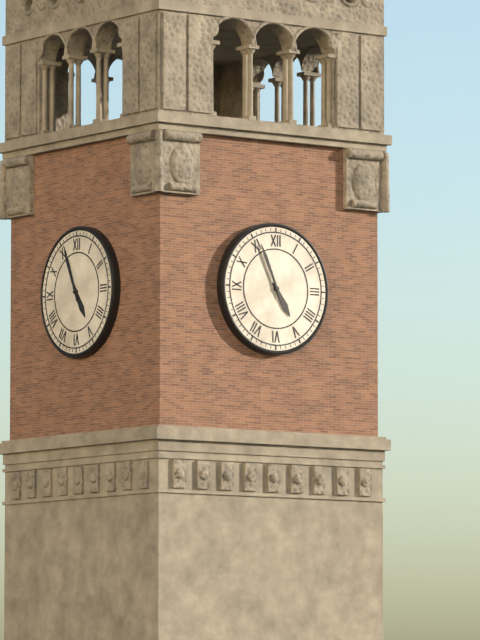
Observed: 4 h 56 min
